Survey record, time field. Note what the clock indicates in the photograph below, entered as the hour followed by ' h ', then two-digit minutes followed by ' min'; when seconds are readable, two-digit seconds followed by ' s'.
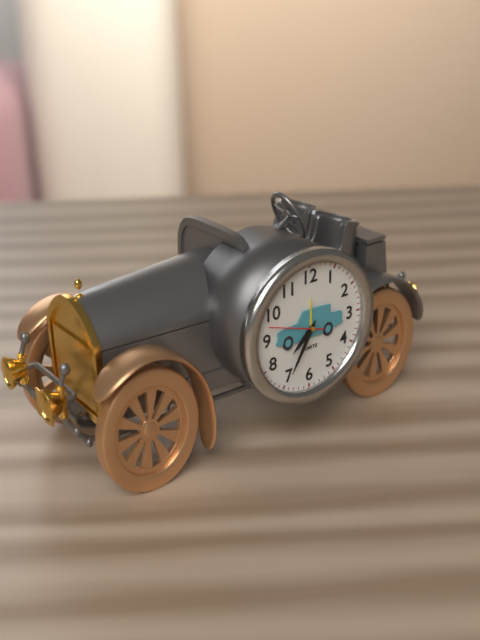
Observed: 7 h 35 min
